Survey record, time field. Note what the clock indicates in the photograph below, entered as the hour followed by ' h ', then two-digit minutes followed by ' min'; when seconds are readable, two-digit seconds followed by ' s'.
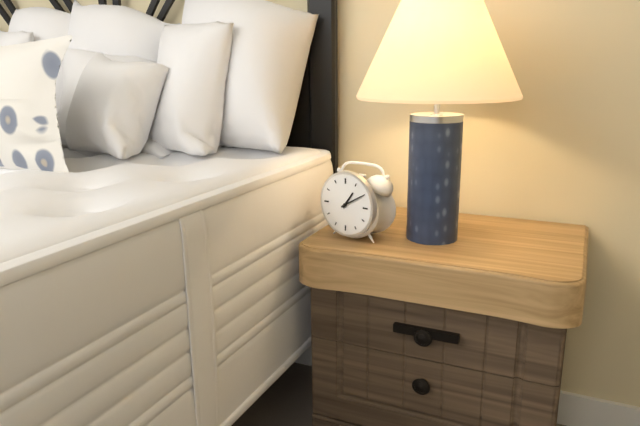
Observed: 1 h 10 min
